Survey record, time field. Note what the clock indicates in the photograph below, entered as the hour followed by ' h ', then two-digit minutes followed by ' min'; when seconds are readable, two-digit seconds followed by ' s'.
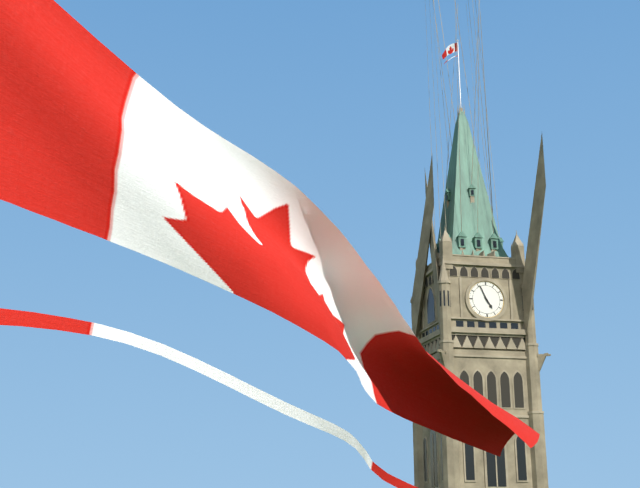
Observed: 4 h 56 min
